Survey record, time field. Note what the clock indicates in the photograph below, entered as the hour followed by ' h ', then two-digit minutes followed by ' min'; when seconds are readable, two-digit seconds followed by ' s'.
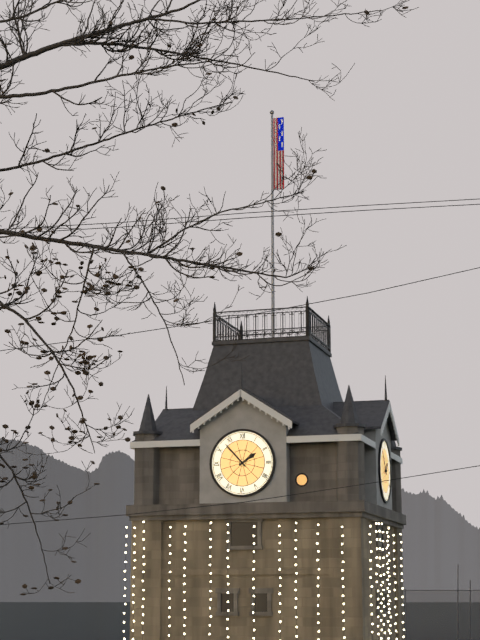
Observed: 1 h 53 min
